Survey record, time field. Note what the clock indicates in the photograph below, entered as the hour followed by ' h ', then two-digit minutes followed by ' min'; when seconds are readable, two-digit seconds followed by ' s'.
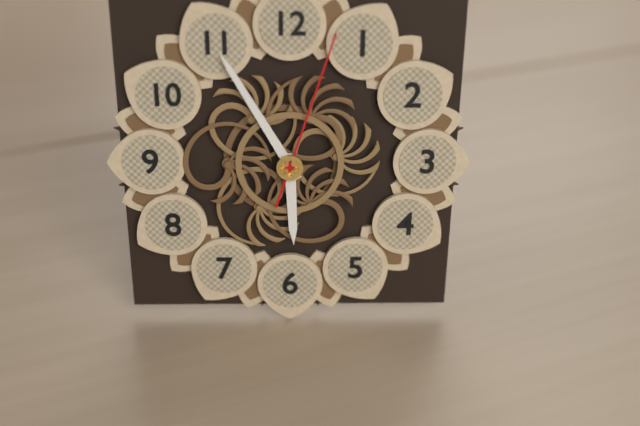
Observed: 5 h 55 min 03 s
